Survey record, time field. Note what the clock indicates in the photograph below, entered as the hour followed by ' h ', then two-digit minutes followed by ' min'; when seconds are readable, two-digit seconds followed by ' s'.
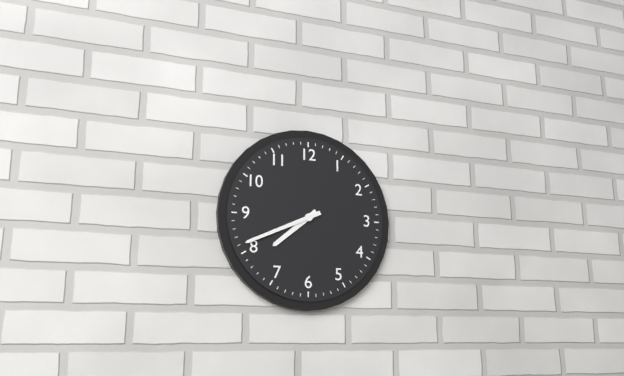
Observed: 7 h 41 min
